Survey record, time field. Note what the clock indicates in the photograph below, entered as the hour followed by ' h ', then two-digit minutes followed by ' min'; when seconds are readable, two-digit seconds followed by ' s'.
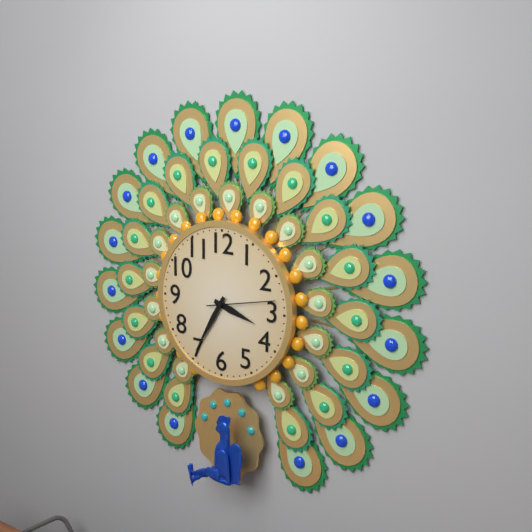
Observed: 3 h 35 min 13 s
